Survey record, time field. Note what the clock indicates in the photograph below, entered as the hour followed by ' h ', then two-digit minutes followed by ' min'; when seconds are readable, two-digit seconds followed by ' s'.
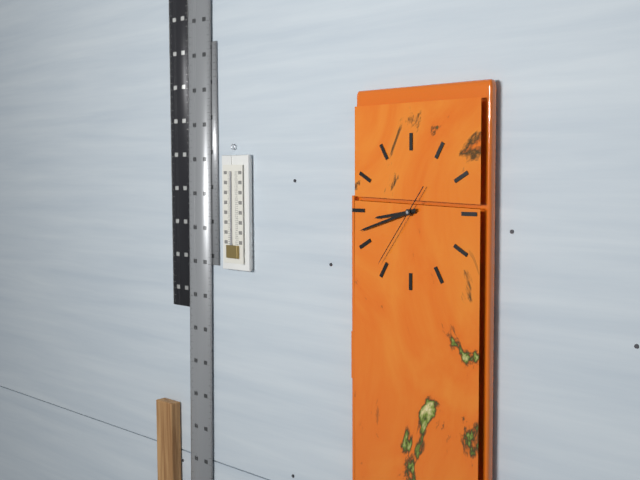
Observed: 8 h 42 min 36 s
